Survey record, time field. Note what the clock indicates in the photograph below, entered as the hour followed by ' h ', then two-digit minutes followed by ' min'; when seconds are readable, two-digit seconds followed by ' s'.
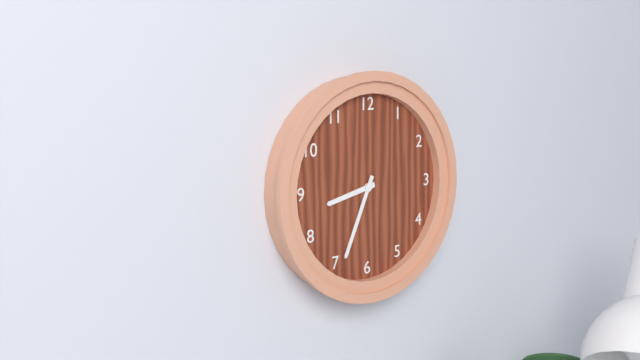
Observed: 8 h 34 min
